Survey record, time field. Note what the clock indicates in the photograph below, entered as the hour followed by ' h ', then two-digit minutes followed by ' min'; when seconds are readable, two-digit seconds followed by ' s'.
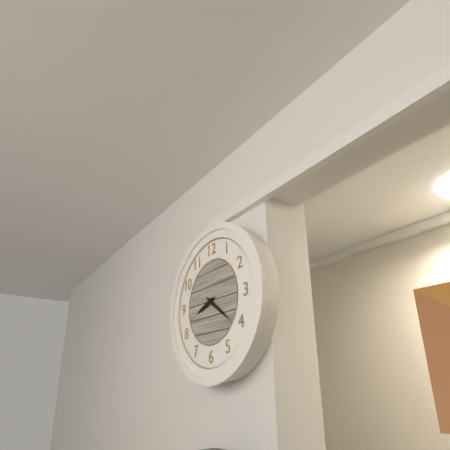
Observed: 8 h 21 min
